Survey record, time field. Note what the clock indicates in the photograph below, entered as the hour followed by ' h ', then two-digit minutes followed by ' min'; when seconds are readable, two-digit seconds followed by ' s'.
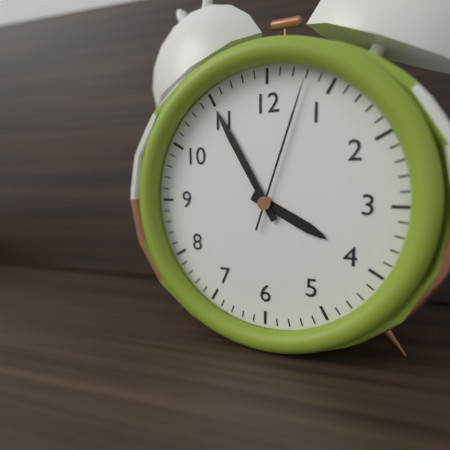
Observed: 3 h 55 min 03 s
